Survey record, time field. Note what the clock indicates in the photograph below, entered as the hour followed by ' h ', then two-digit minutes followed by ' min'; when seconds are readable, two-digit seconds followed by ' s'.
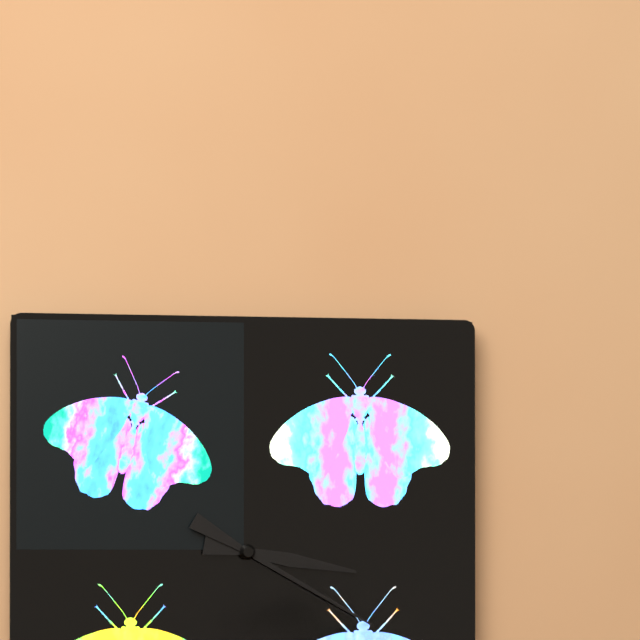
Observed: 3 h 20 min
